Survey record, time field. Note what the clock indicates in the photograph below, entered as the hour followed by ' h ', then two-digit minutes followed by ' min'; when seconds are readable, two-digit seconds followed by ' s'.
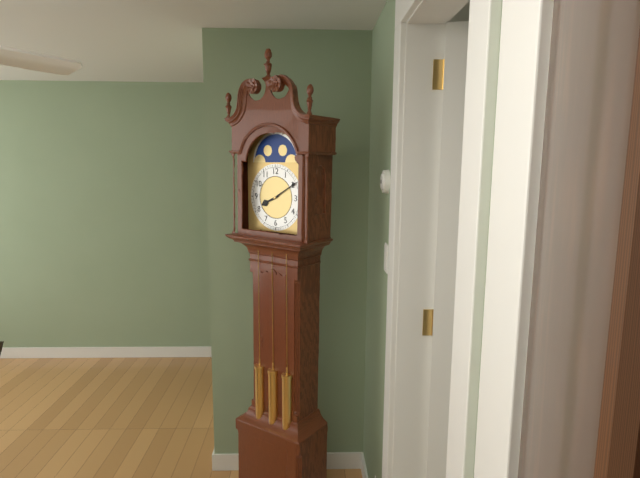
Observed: 8 h 10 min
